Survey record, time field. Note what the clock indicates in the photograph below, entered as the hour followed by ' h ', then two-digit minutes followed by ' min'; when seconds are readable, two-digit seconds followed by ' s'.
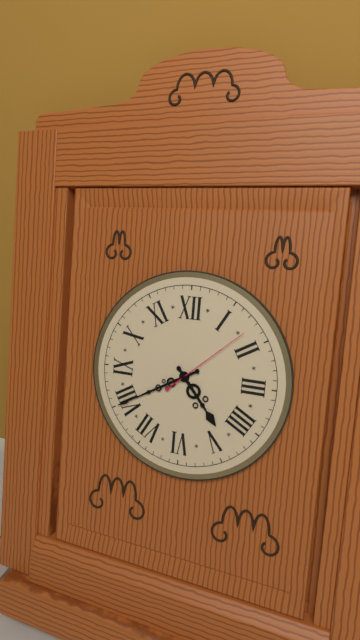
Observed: 4 h 40 min 08 s
